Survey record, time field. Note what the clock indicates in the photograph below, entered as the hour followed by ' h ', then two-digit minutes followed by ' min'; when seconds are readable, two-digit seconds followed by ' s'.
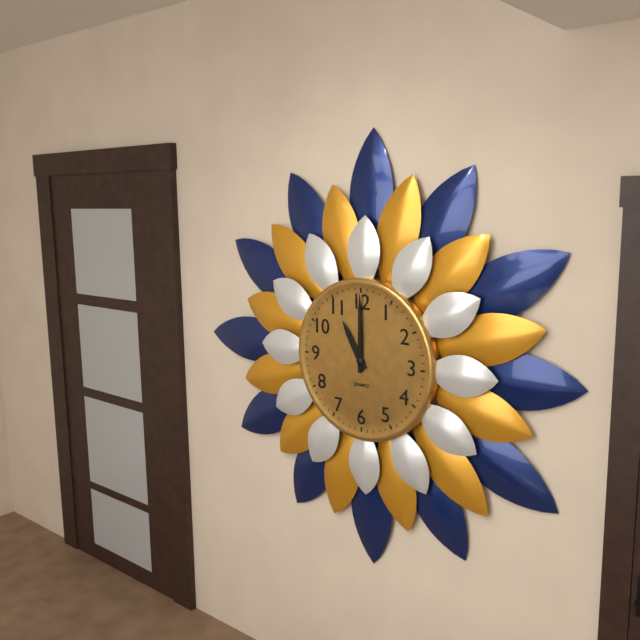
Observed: 11 h 00 min
